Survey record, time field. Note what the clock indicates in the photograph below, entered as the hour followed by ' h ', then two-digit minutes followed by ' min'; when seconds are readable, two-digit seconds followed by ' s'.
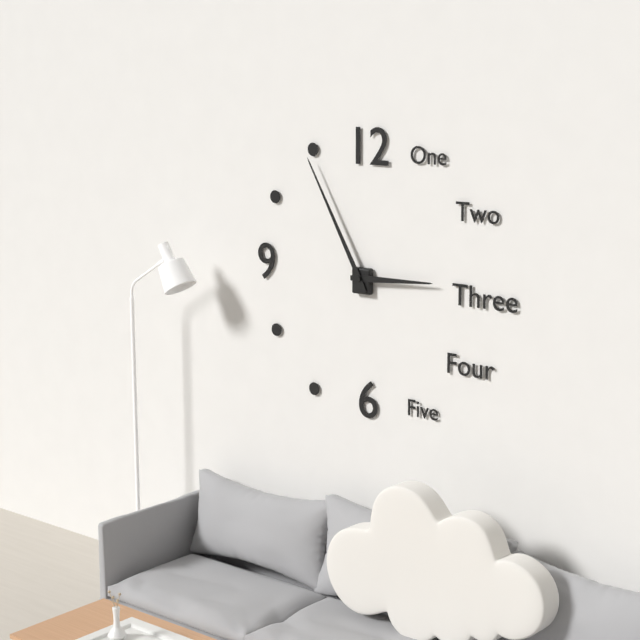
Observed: 2 h 55 min
